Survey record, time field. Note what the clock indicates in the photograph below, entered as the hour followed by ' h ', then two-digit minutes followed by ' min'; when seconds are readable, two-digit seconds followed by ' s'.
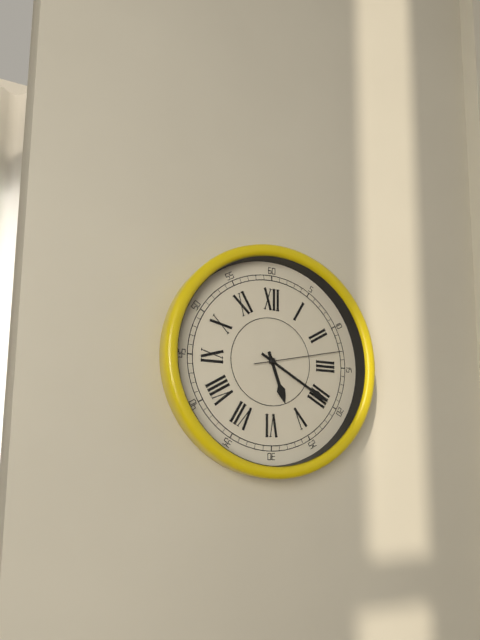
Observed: 5 h 20 min 13 s
